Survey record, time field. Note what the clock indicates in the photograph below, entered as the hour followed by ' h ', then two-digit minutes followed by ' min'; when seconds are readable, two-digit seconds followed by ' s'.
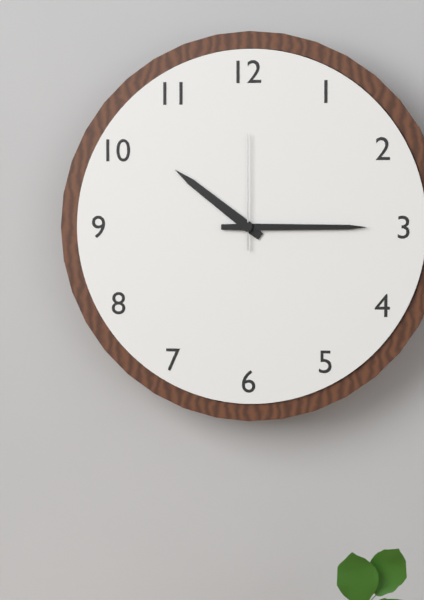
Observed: 10 h 15 min 00 s
